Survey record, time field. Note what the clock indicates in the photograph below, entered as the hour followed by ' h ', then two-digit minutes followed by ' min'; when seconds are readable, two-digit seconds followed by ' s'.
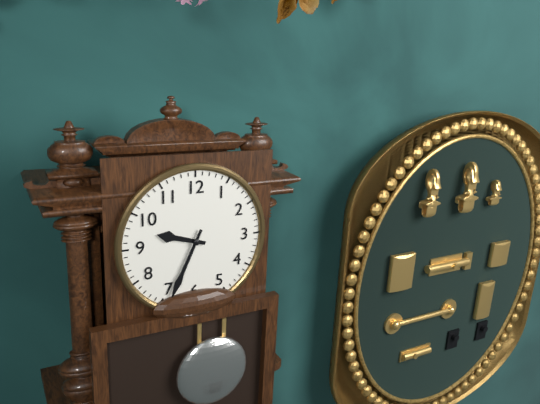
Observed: 9 h 34 min
